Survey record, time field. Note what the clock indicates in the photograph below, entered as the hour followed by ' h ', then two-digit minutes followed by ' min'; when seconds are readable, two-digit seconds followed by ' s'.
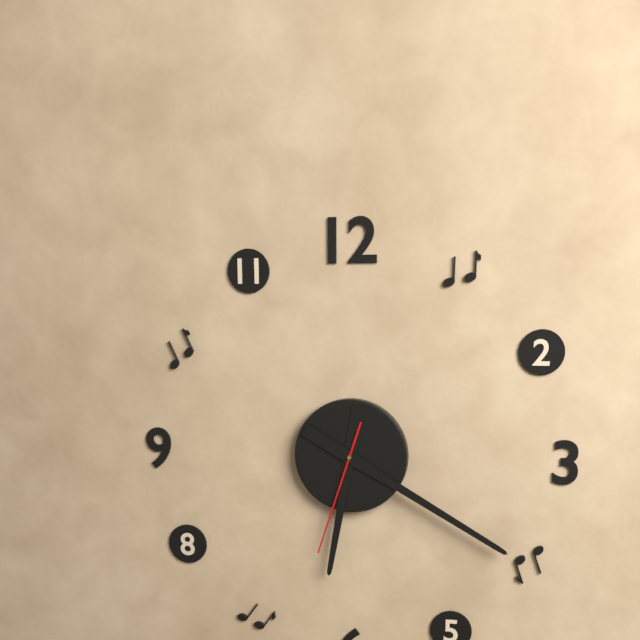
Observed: 6 h 20 min 33 s
